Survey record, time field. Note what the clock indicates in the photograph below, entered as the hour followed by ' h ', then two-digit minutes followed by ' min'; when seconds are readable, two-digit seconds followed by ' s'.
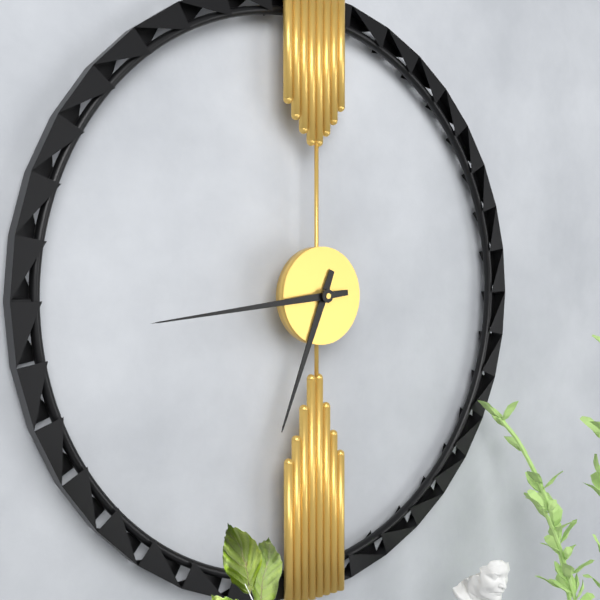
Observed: 6 h 44 min
